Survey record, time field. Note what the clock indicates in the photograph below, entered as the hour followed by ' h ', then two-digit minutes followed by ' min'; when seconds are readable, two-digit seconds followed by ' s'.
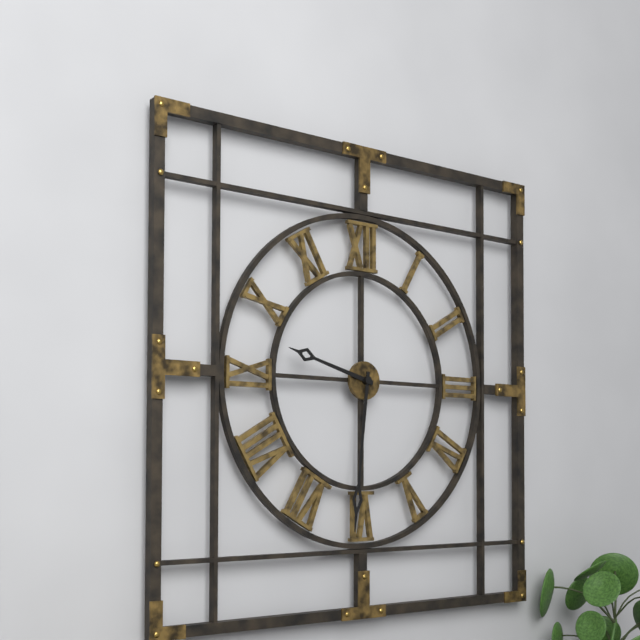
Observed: 9 h 31 min
